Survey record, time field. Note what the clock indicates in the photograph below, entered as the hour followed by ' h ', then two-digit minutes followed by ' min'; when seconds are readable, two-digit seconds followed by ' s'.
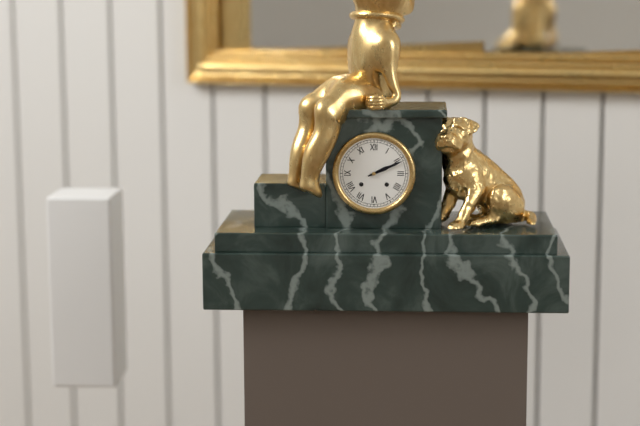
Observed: 2 h 11 min
